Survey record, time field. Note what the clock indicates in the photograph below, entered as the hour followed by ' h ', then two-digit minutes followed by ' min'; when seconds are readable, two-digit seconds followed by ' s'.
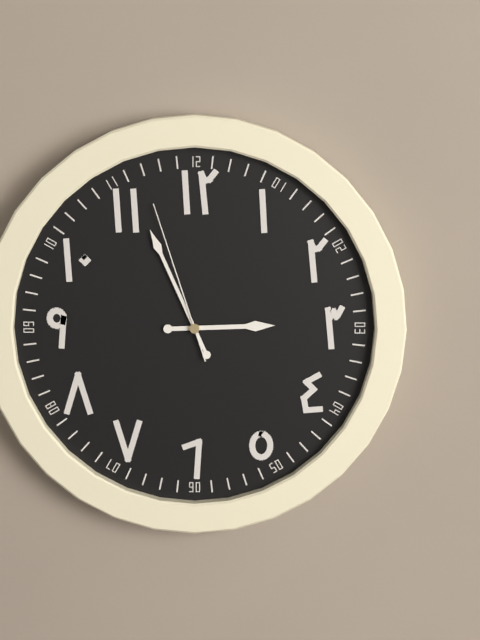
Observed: 2 h 56 min 57 s
